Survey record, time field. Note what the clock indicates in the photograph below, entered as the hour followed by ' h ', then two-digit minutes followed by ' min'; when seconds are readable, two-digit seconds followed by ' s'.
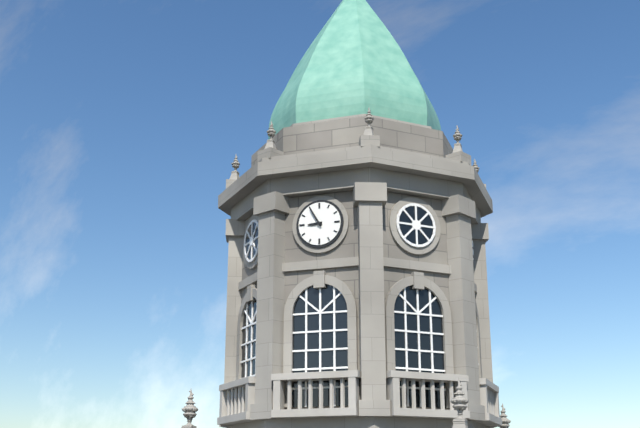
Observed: 8 h 55 min
